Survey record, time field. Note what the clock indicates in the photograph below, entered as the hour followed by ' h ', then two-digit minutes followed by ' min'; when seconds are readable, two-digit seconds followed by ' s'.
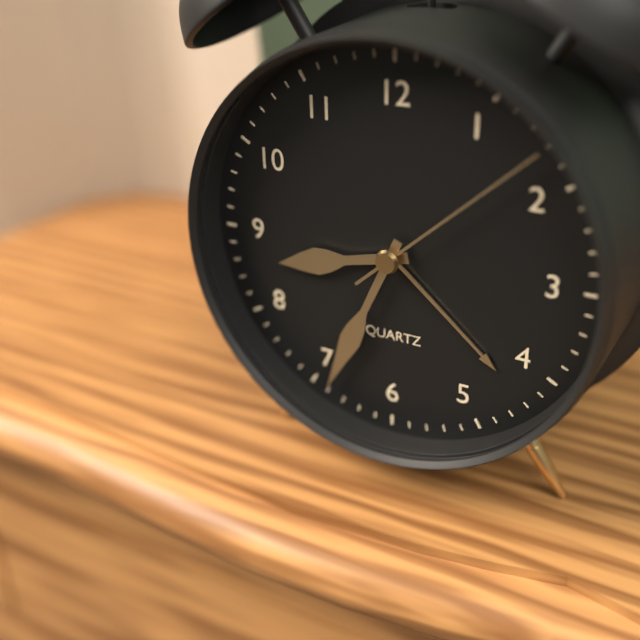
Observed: 8 h 34 min 08 s
